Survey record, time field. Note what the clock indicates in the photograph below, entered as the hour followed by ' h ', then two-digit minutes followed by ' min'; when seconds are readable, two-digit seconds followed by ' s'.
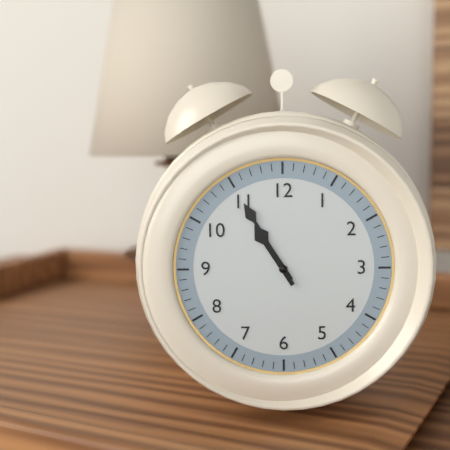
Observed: 10 h 55 min
